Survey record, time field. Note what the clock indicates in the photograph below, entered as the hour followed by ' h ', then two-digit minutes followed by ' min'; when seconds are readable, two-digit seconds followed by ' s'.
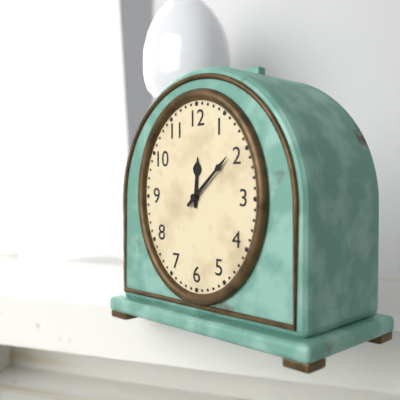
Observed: 12 h 08 min
